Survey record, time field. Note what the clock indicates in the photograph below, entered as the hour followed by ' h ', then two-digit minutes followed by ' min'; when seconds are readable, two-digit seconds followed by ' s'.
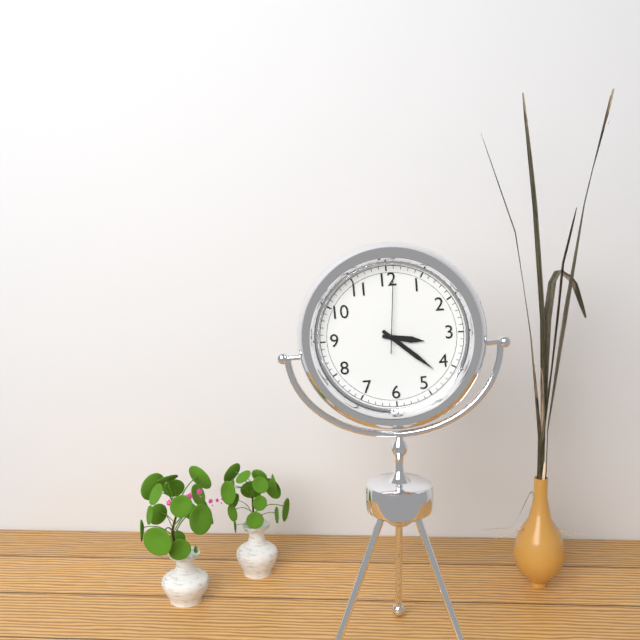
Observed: 3 h 22 min 01 s
